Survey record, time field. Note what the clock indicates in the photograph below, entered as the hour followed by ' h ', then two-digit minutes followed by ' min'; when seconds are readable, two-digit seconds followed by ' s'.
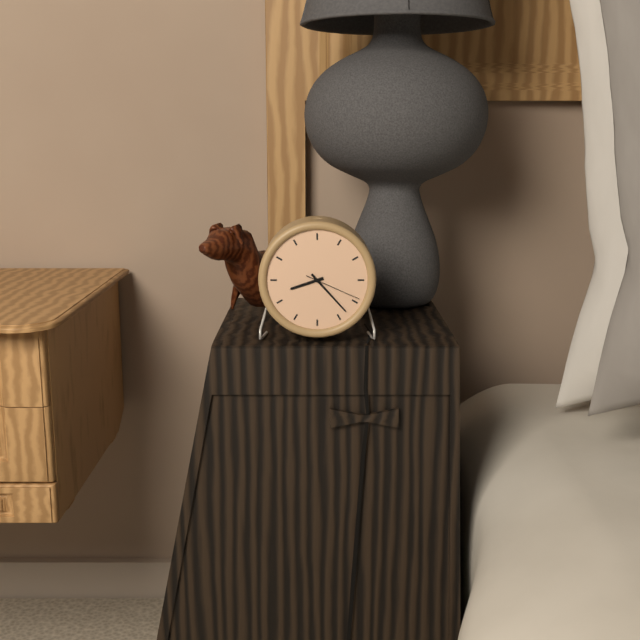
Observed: 8 h 23 min 19 s
